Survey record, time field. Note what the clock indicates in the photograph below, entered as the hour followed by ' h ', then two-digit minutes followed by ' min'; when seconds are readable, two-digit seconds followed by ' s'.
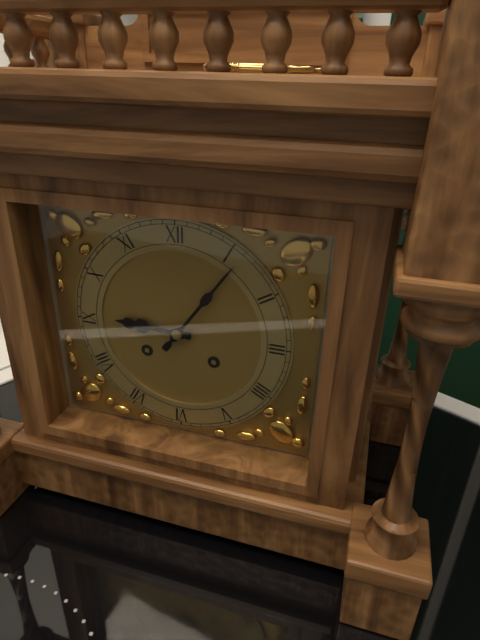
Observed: 9 h 06 min
